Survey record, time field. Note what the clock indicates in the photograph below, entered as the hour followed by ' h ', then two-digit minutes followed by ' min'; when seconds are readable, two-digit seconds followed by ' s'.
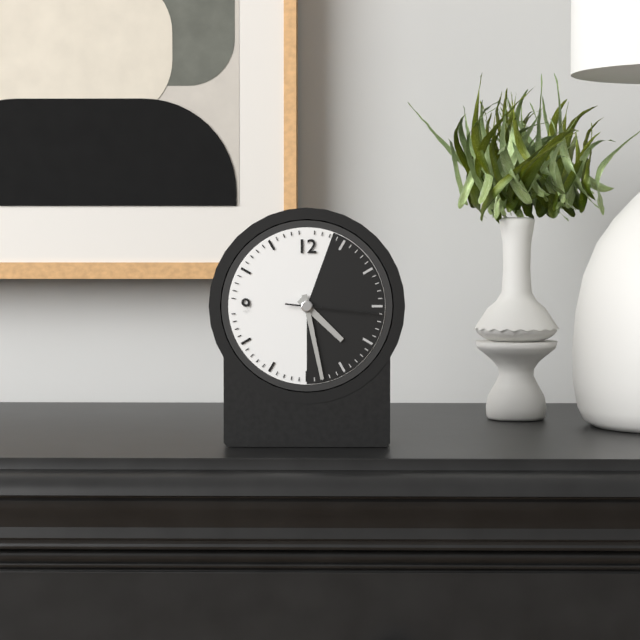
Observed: 4 h 28 min 16 s
